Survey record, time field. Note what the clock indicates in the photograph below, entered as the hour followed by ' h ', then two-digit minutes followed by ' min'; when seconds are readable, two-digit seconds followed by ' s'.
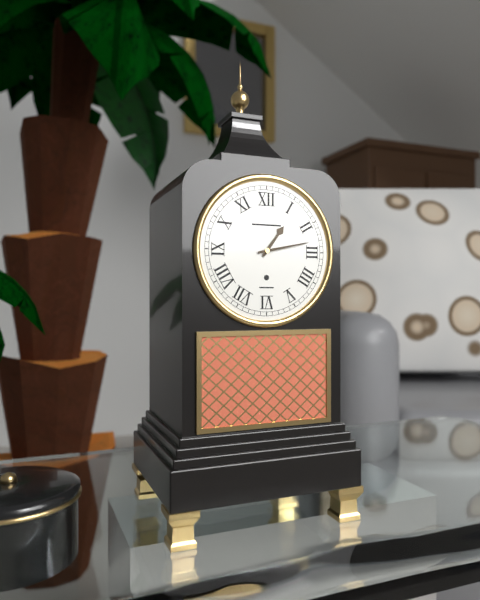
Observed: 1 h 13 min
